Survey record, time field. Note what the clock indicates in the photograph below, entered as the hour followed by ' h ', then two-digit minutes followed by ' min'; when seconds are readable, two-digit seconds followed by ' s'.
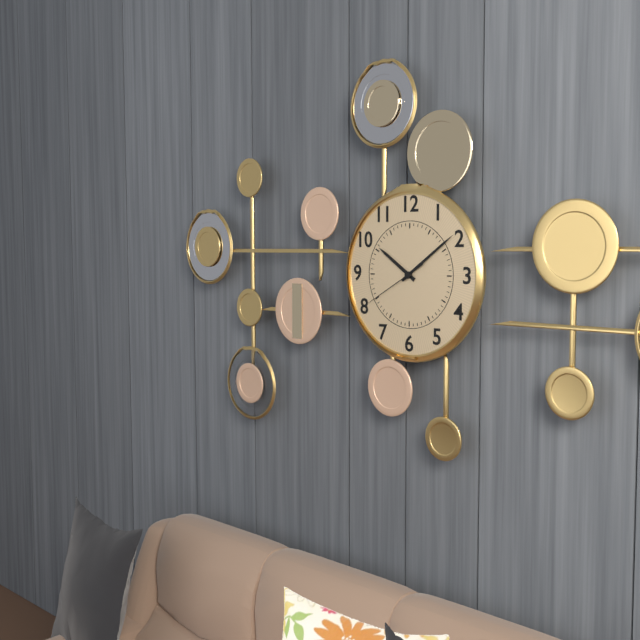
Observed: 10 h 09 min 40 s
